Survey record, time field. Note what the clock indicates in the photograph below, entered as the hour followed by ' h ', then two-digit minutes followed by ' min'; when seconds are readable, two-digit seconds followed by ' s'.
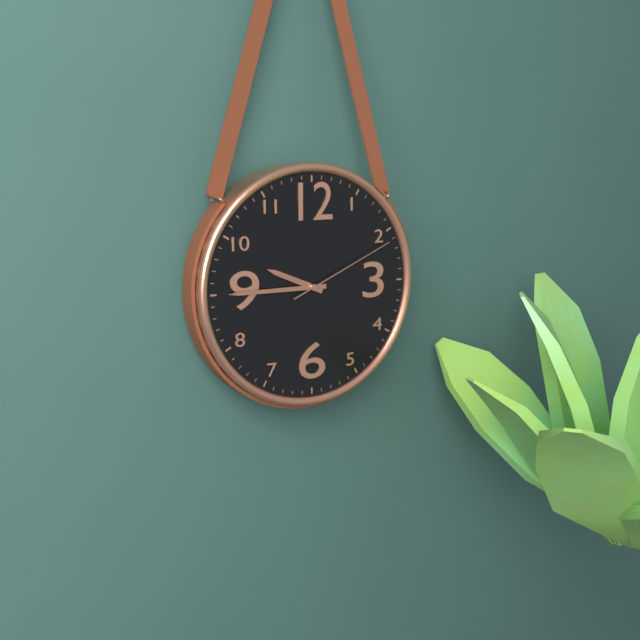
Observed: 9 h 45 min 11 s
